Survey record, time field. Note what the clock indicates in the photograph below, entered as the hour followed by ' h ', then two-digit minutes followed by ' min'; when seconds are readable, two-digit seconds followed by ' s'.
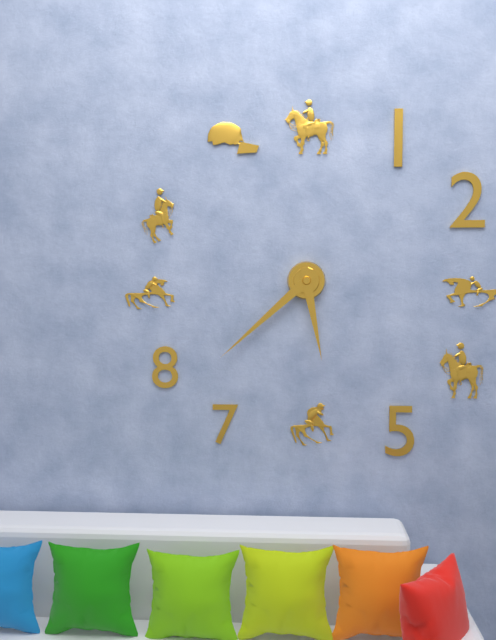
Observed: 5 h 38 min
